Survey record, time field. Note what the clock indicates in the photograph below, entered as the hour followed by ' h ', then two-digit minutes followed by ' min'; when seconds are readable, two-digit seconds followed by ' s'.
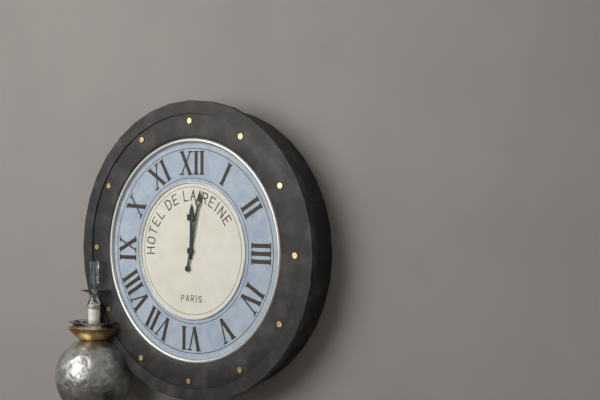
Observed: 12 h 02 min
